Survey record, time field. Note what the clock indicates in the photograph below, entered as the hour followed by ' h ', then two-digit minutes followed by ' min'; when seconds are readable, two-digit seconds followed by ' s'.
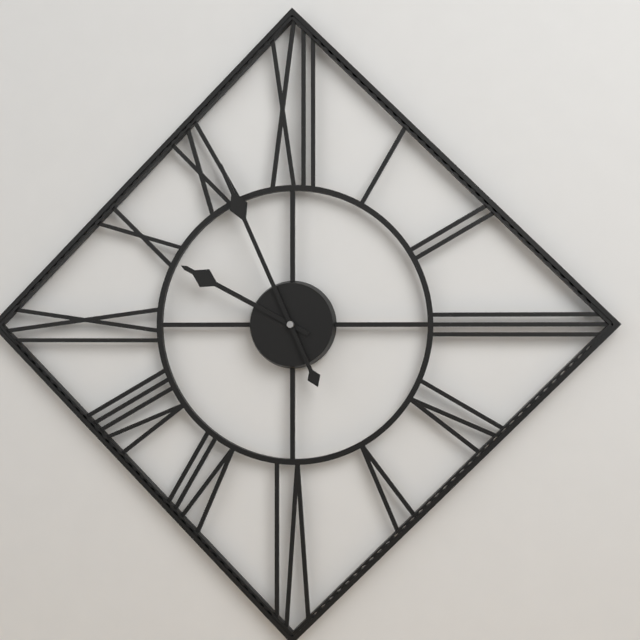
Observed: 9 h 56 min
